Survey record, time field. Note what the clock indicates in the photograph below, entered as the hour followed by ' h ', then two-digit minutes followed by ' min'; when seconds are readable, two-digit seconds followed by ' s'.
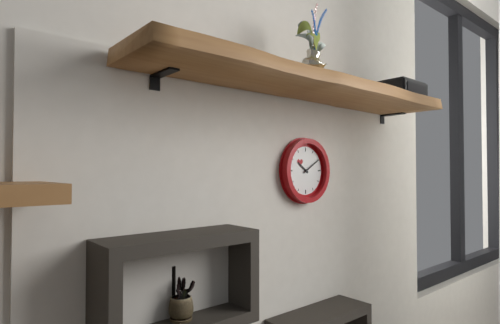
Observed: 10 h 10 min
